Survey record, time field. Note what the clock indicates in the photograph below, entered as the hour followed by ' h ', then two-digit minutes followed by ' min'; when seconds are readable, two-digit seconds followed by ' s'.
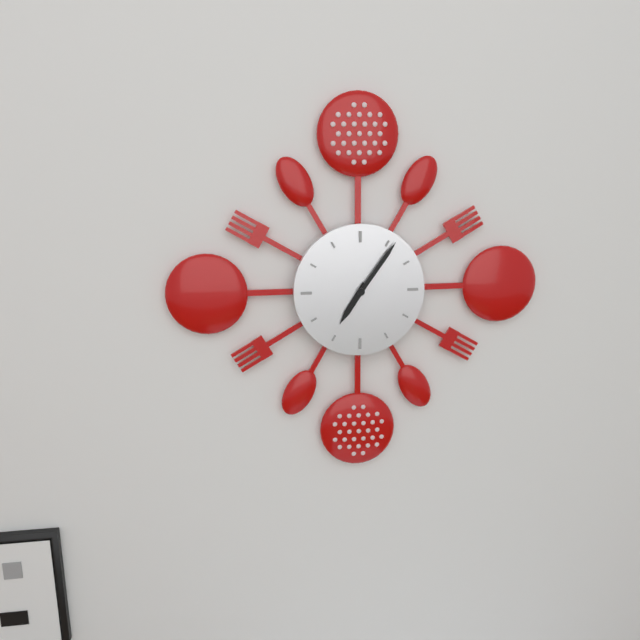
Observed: 7 h 06 min
